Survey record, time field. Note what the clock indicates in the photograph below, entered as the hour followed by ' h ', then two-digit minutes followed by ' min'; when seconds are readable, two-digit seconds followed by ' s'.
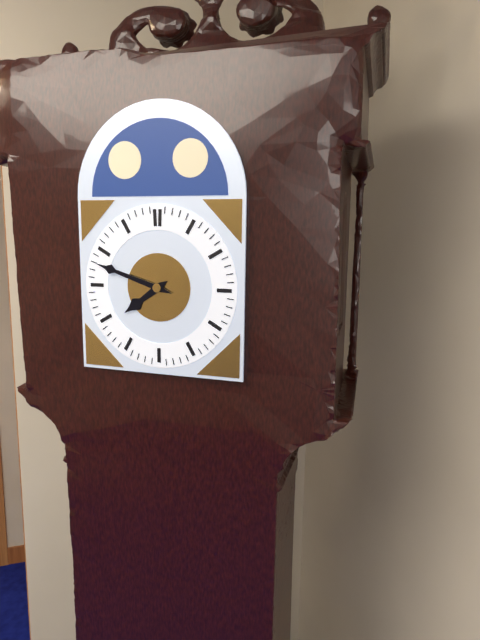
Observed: 7 h 48 min
